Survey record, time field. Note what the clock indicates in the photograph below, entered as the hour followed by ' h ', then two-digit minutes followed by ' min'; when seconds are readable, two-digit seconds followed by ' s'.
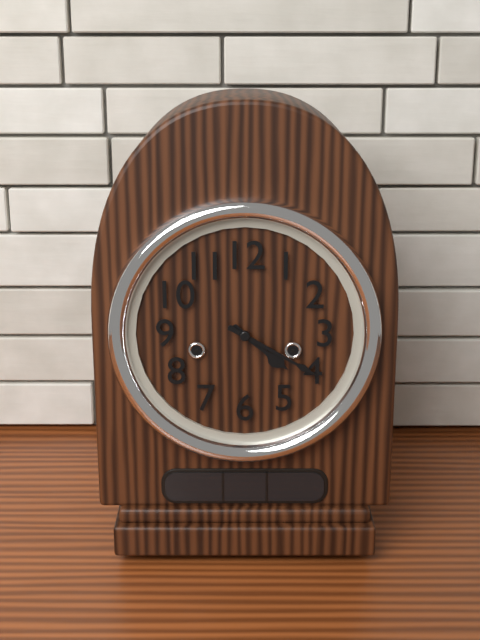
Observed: 4 h 20 min
